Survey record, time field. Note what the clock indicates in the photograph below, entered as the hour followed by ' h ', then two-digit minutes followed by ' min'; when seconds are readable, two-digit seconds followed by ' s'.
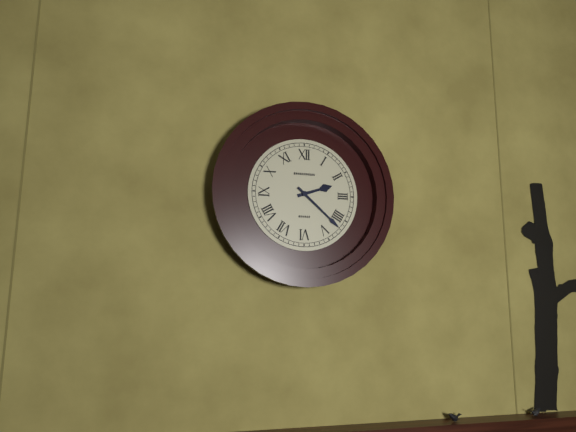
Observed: 2 h 22 min
